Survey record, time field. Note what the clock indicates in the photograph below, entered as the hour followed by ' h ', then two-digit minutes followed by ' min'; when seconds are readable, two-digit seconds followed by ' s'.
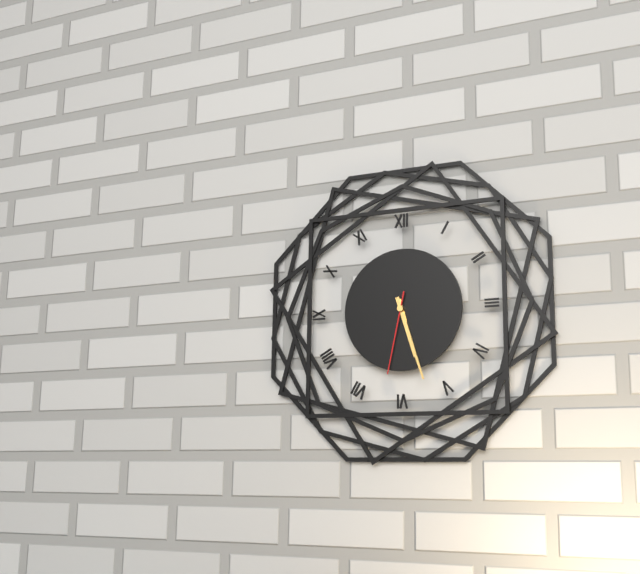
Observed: 5 h 27 min 32 s
